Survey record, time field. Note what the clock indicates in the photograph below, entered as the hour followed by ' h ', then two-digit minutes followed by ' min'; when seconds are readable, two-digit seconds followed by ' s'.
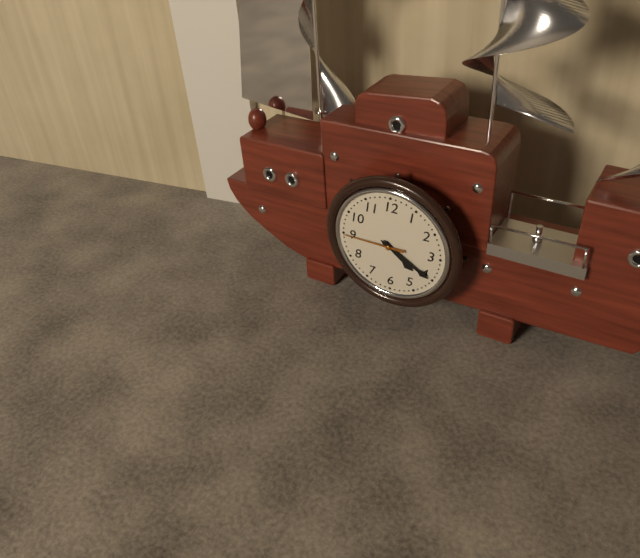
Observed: 4 h 20 min 45 s
